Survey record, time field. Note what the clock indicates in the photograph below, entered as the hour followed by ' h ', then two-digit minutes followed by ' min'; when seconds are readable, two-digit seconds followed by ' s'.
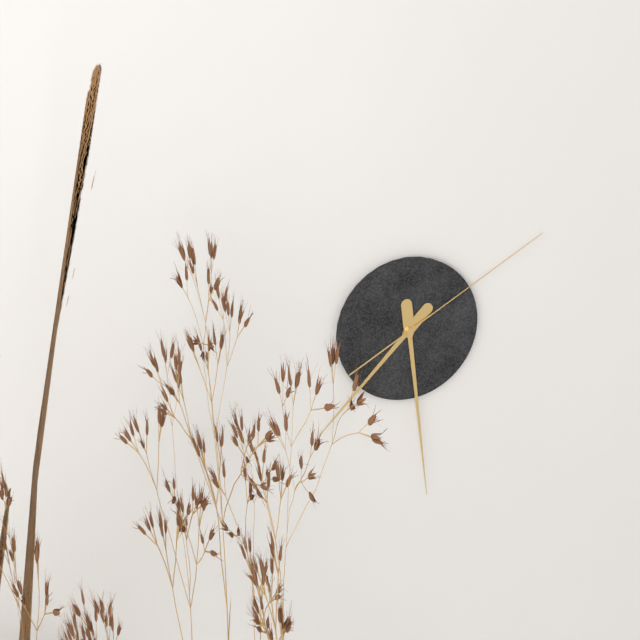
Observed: 7 h 29 min 10 s
